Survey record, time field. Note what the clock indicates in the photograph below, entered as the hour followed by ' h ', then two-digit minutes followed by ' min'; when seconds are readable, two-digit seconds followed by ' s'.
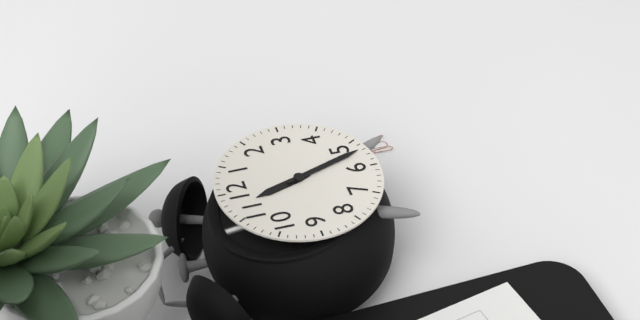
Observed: 11 h 27 min
